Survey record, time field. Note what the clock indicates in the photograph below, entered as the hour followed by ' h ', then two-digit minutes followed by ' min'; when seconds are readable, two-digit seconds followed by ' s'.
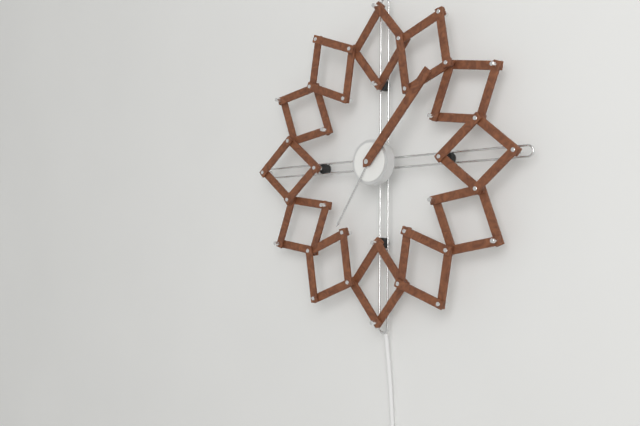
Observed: 7 h 07 min
